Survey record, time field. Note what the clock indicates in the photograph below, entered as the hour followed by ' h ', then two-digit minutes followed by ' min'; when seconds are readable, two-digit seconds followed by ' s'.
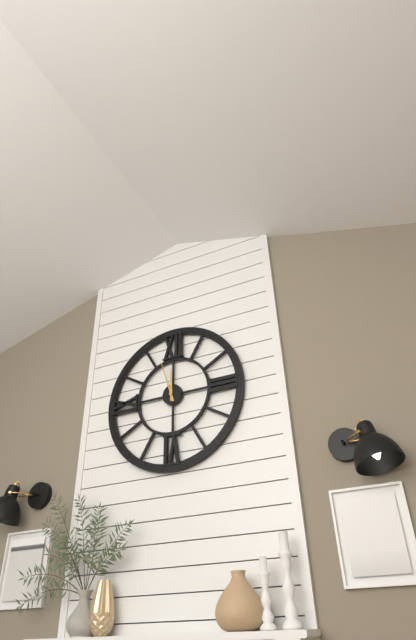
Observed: 11 h 57 min
